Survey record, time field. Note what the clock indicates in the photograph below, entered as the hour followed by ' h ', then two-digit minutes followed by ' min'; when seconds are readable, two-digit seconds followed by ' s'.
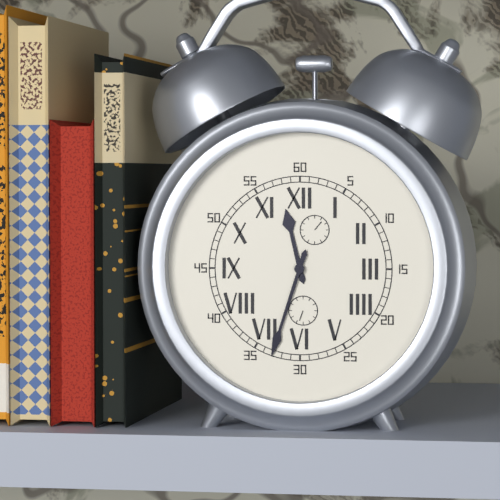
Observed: 11 h 33 min
